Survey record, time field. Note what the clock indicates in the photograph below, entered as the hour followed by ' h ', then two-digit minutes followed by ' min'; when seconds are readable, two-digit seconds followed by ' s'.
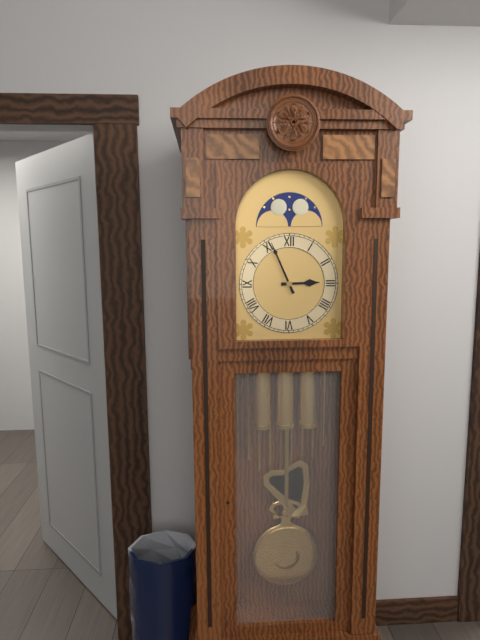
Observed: 2 h 56 min
